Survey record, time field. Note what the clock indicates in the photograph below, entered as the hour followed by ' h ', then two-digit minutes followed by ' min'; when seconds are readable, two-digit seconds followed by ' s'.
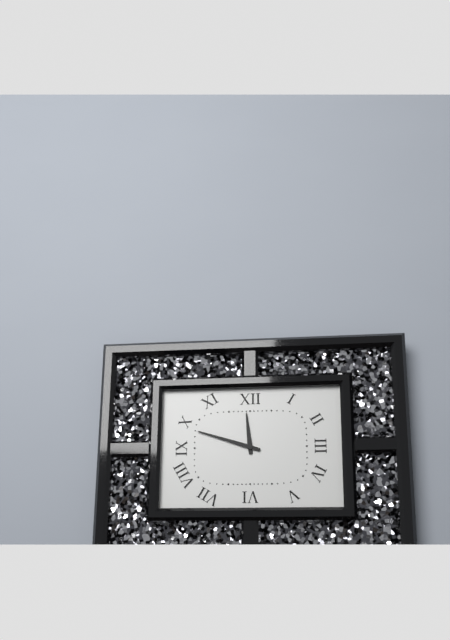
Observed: 11 h 48 min
